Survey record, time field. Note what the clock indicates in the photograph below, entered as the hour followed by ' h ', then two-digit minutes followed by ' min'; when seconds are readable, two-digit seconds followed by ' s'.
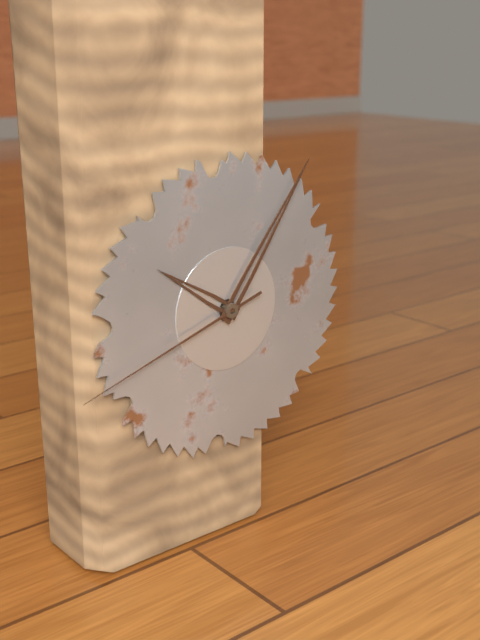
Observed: 10 h 06 min 42 s
